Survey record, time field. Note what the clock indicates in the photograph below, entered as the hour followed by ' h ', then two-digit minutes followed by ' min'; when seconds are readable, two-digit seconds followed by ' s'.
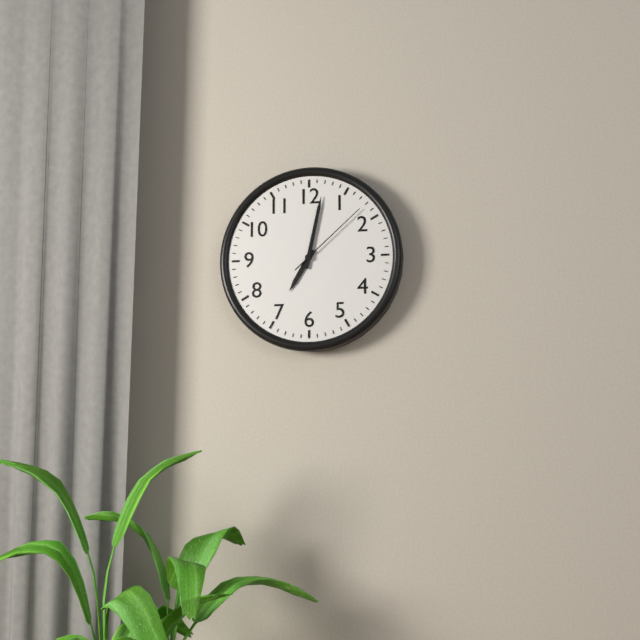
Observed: 7 h 02 min 08 s
